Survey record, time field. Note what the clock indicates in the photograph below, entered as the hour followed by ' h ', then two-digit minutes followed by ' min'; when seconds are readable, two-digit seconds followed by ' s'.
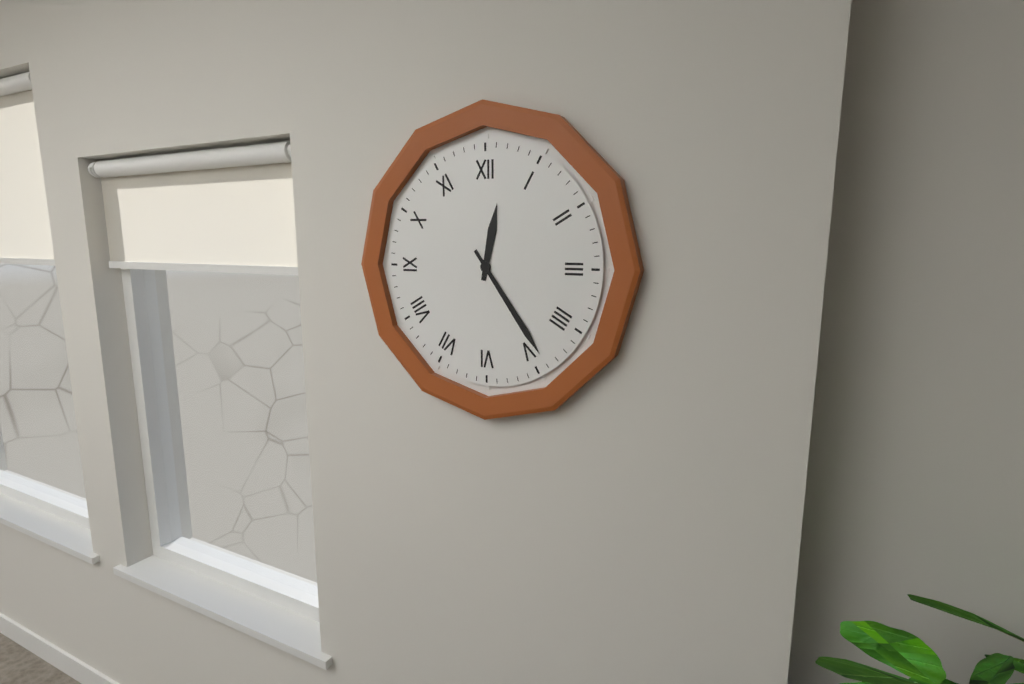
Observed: 12 h 24 min
